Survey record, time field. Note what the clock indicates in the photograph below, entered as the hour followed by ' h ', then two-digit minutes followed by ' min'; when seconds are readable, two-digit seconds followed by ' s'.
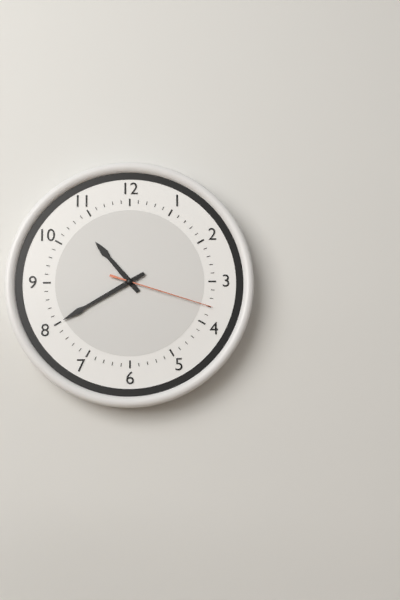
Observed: 10 h 40 min 18 s
